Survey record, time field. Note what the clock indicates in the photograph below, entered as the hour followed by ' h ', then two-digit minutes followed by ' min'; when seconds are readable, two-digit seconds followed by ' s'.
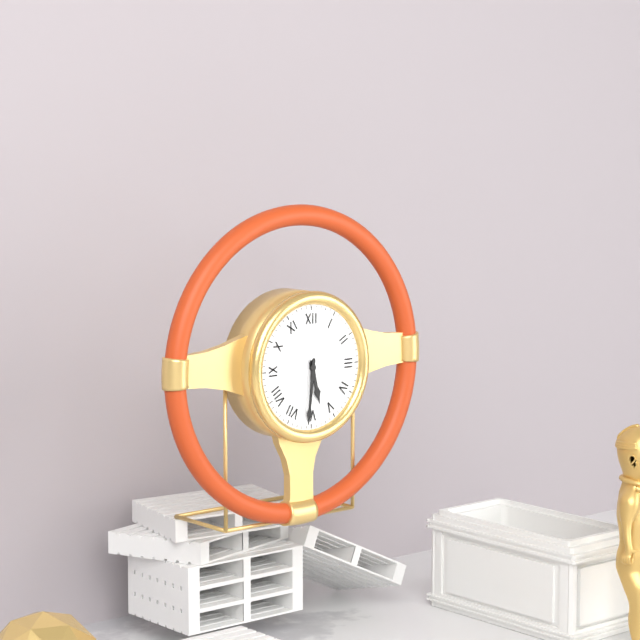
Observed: 5 h 31 min
